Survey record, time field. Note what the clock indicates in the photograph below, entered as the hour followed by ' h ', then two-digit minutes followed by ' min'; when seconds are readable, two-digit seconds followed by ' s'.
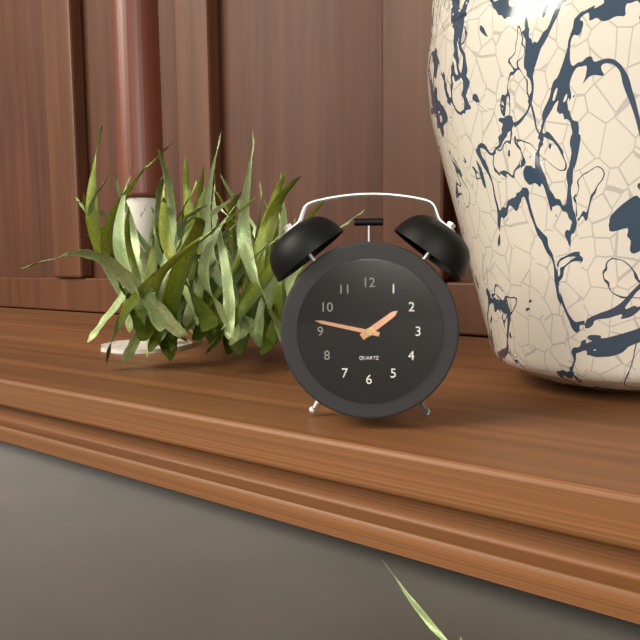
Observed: 1 h 47 min
